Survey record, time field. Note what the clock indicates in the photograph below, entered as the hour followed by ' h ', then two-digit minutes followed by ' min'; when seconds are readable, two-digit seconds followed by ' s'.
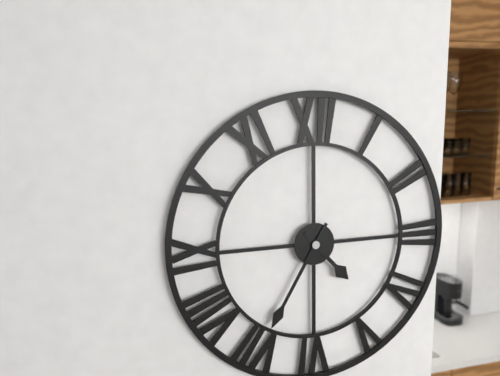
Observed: 4 h 35 min
